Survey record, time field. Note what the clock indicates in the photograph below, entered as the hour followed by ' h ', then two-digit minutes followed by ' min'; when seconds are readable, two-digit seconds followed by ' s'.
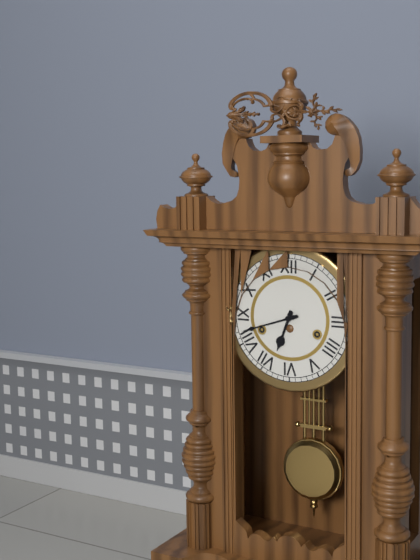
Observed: 6 h 42 min
